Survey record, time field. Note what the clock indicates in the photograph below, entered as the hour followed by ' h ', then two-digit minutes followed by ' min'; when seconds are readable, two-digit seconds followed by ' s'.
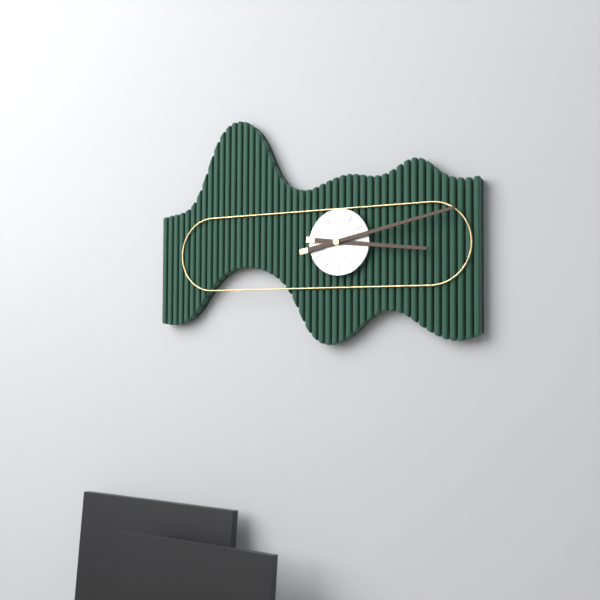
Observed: 3 h 13 min
